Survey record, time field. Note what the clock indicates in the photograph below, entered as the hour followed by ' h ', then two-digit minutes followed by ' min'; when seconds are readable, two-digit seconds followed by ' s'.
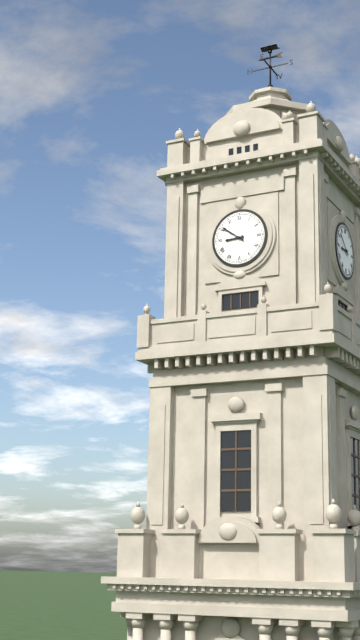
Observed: 8 h 51 min
